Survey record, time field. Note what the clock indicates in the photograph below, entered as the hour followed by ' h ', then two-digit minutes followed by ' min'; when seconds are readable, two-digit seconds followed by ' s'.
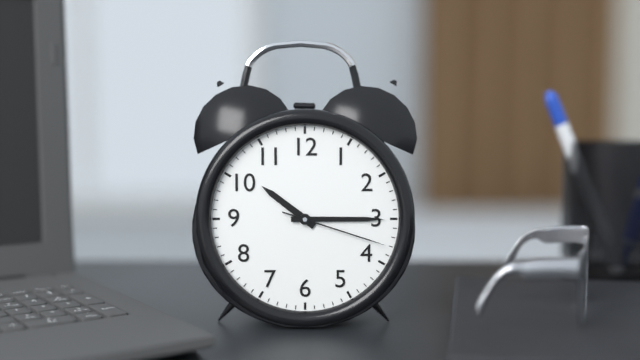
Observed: 10 h 15 min 18 s
